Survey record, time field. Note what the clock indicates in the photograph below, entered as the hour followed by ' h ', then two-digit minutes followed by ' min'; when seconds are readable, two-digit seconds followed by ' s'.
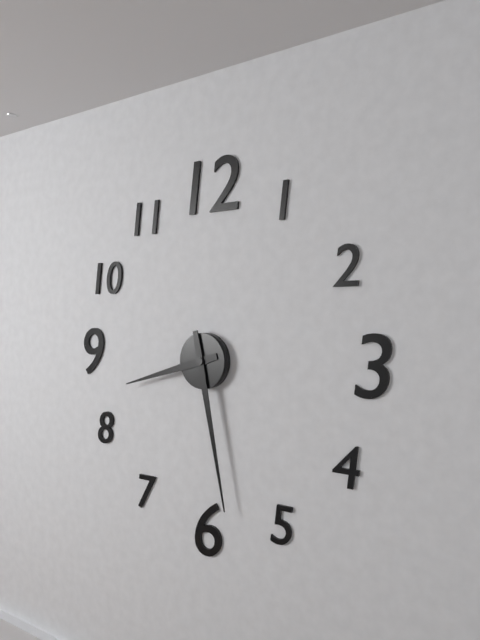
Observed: 8 h 28 min
